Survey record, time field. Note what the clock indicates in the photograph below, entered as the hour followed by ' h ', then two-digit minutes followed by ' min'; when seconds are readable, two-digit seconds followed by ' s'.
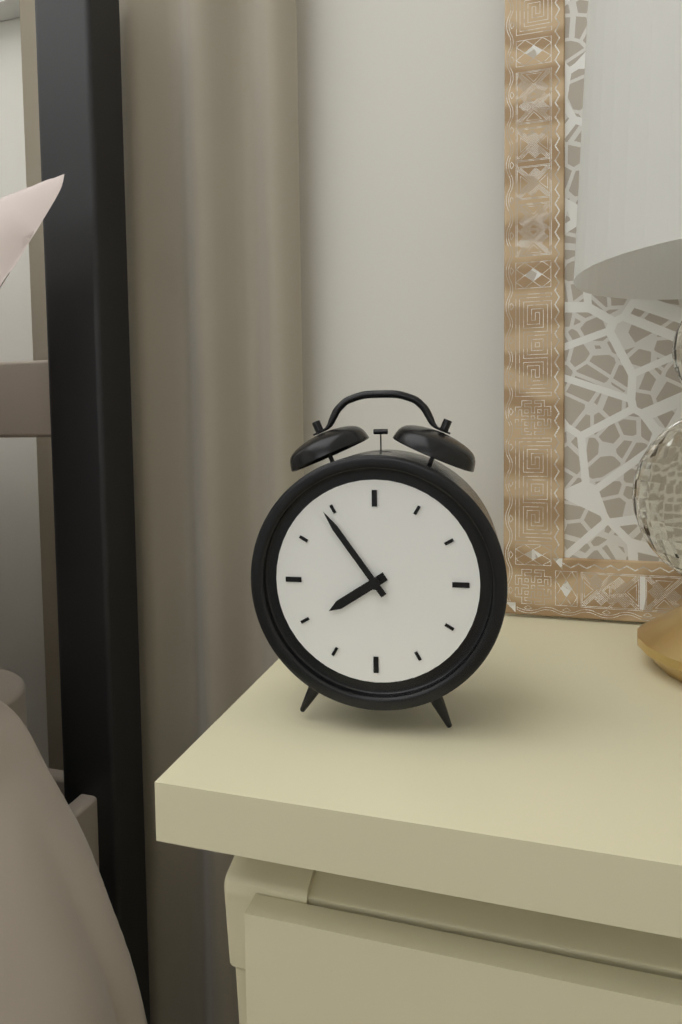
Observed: 7 h 54 min
